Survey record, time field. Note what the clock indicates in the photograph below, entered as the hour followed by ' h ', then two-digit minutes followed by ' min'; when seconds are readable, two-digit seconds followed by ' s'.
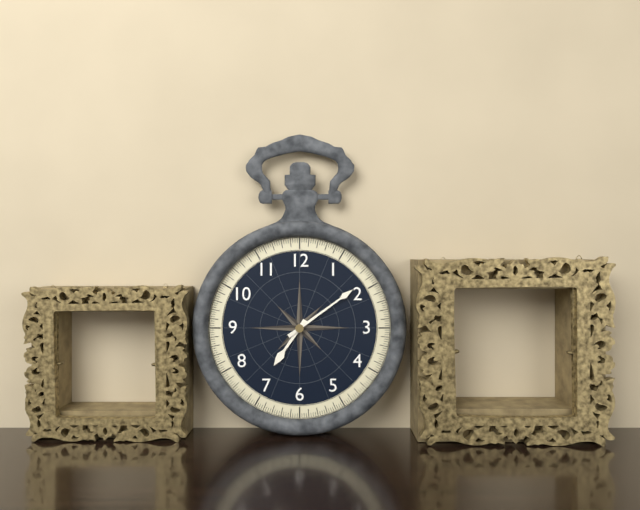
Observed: 7 h 09 min
